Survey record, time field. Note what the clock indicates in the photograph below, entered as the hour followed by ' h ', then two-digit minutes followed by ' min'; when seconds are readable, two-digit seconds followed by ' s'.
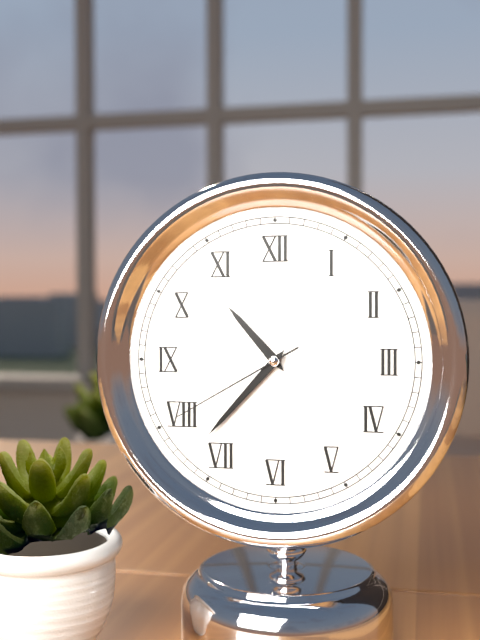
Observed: 10 h 37 min 40 s
